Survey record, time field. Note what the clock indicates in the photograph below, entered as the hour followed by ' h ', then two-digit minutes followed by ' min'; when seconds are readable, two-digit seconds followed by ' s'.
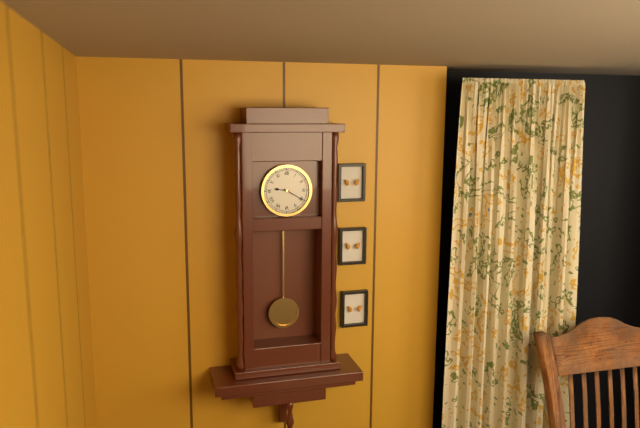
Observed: 9 h 20 min
